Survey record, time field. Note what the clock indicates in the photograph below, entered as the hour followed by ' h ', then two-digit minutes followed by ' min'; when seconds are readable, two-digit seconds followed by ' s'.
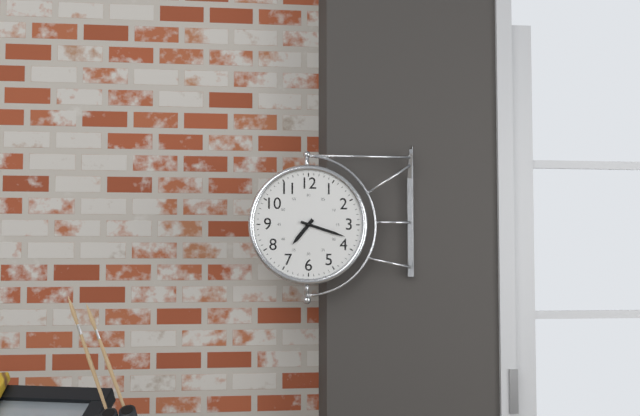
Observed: 7 h 18 min
